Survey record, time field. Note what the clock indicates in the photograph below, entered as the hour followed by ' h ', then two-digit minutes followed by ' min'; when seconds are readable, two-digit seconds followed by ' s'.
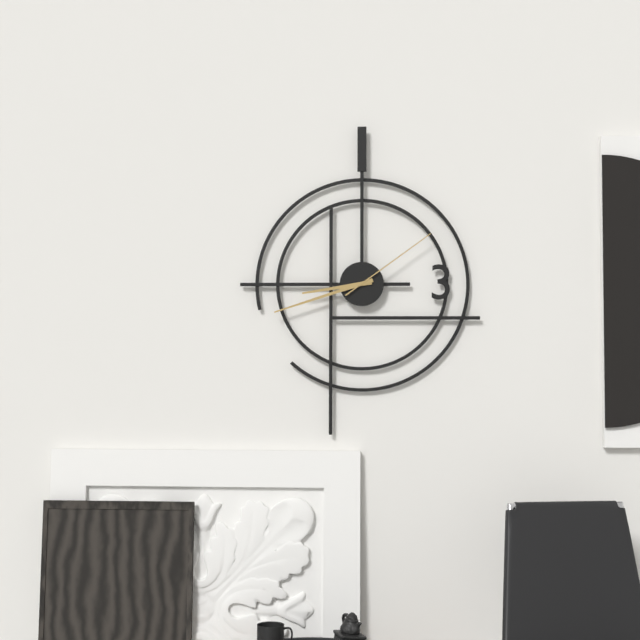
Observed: 8 h 42 min 09 s
